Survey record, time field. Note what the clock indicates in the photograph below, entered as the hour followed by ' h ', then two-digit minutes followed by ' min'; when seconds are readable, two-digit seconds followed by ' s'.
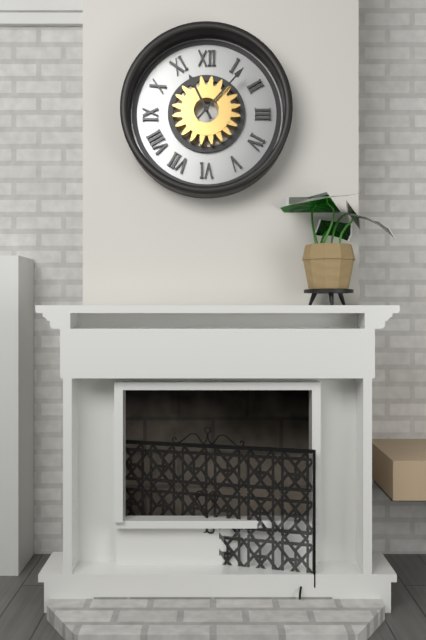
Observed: 11 h 07 min
